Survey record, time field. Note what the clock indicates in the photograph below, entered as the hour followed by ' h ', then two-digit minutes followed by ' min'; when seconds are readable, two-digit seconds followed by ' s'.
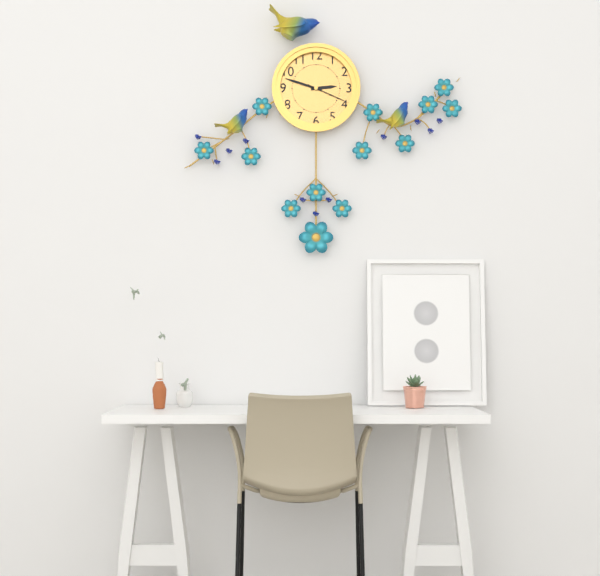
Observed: 2 h 48 min
